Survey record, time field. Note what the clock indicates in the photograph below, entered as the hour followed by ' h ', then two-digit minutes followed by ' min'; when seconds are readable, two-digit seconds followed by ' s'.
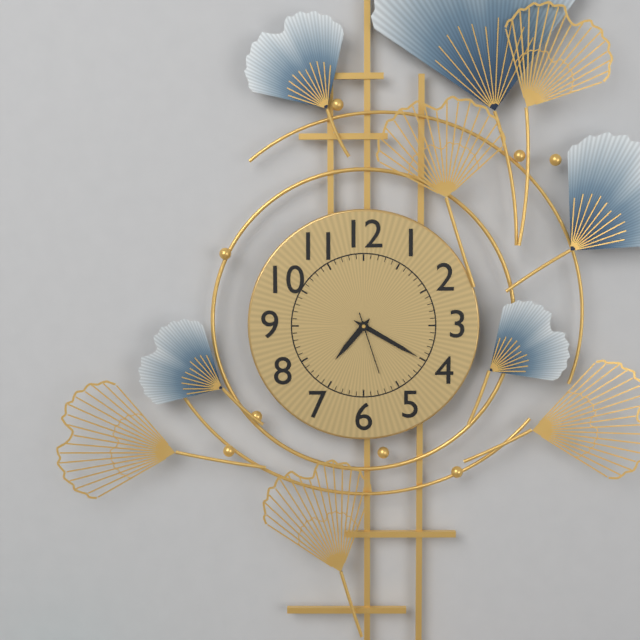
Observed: 7 h 20 min 27 s
